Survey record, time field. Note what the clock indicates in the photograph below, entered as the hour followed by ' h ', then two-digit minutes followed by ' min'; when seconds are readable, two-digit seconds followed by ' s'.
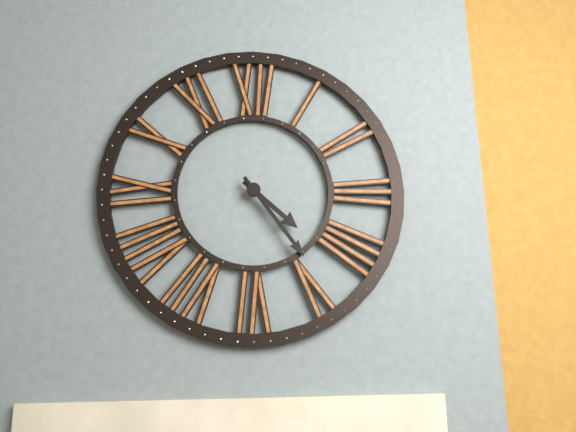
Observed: 4 h 24 min
